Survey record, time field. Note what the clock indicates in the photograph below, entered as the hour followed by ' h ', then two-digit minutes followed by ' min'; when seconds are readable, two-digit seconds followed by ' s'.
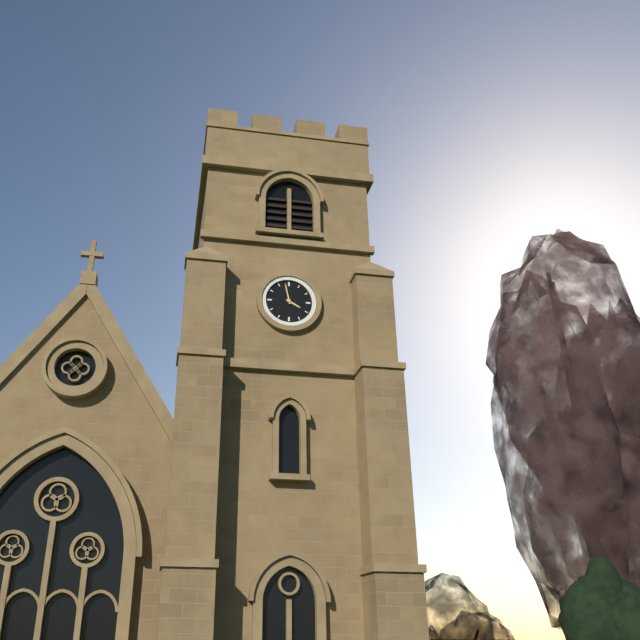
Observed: 3 h 58 min
